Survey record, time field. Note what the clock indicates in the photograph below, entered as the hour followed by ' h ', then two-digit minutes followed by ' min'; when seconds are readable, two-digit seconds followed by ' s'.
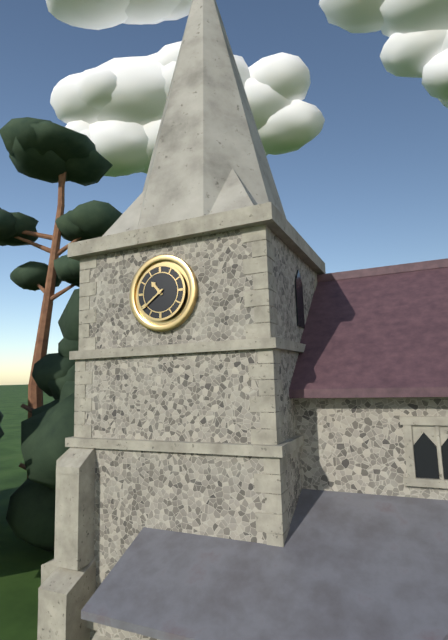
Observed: 10 h 39 min
